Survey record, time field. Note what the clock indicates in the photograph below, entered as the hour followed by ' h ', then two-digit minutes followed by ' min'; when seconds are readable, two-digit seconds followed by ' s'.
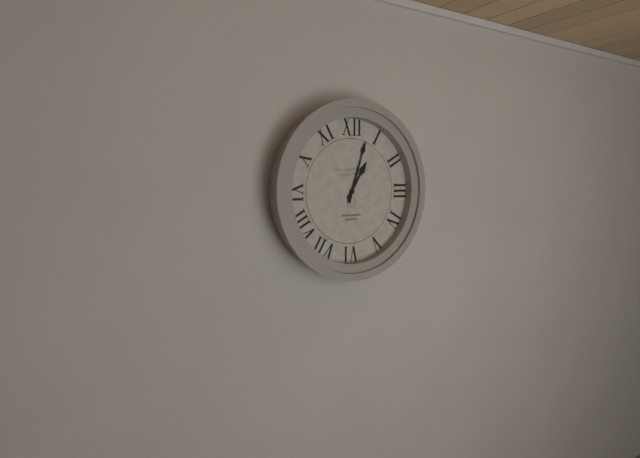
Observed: 1 h 03 min
